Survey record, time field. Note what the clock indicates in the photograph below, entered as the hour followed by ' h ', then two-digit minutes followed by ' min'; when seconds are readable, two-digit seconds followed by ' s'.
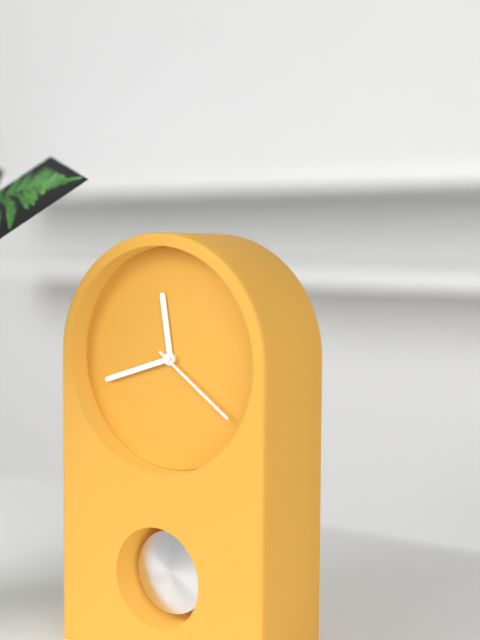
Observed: 11 h 42 min 21 s
